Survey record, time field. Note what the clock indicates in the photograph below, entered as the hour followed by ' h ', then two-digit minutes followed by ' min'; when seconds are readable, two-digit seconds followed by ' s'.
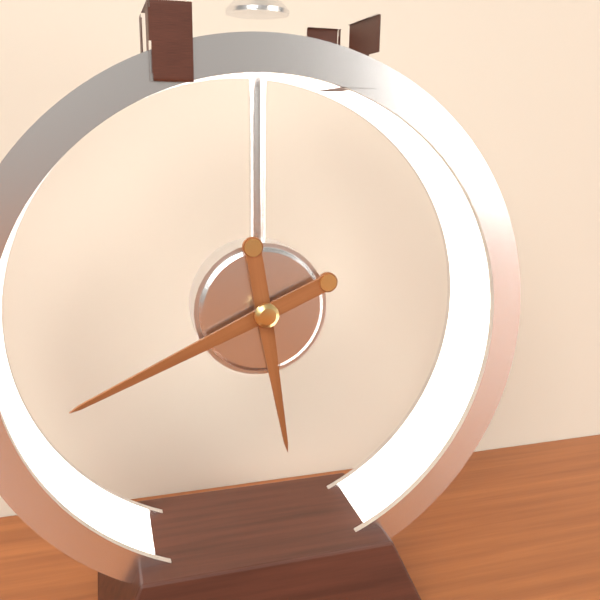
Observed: 5 h 41 min
